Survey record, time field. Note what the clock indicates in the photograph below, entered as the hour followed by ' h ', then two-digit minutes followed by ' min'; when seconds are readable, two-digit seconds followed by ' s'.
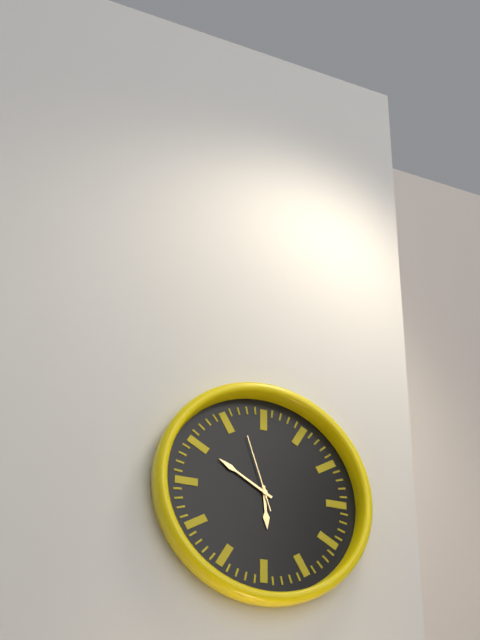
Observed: 5 h 50 min 57 s
